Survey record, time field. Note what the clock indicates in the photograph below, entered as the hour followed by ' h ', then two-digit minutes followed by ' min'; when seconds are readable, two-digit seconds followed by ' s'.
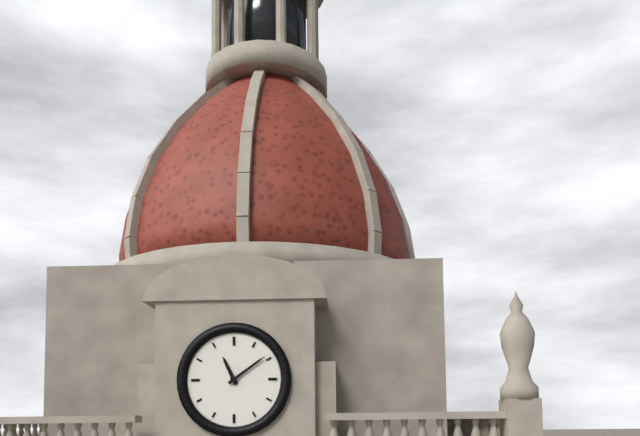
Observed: 11 h 09 min
